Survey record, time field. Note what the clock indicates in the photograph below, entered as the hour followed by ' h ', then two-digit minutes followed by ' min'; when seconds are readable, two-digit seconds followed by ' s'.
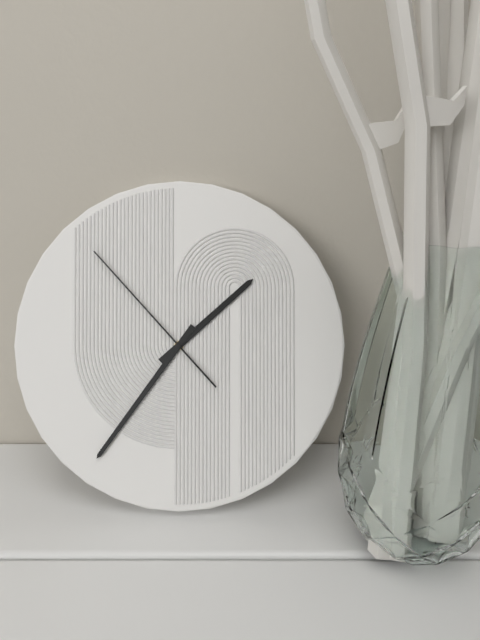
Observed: 1 h 36 min 53 s
